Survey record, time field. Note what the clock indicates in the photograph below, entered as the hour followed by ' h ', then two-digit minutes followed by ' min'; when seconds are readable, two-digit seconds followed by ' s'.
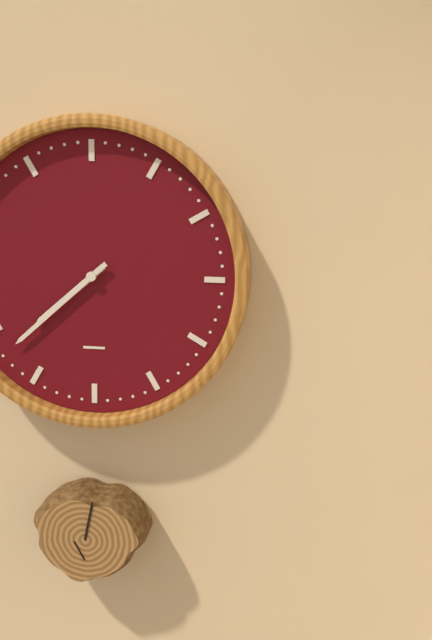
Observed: 7 h 38 min
